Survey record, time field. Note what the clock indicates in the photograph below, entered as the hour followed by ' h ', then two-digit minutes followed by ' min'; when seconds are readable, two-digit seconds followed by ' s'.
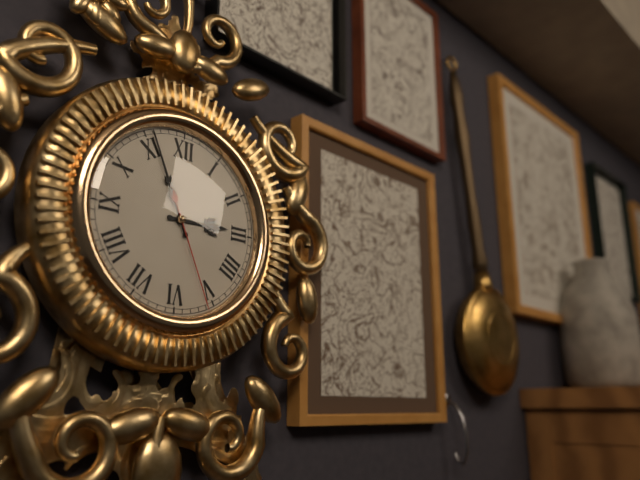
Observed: 2 h 56 min 26 s
